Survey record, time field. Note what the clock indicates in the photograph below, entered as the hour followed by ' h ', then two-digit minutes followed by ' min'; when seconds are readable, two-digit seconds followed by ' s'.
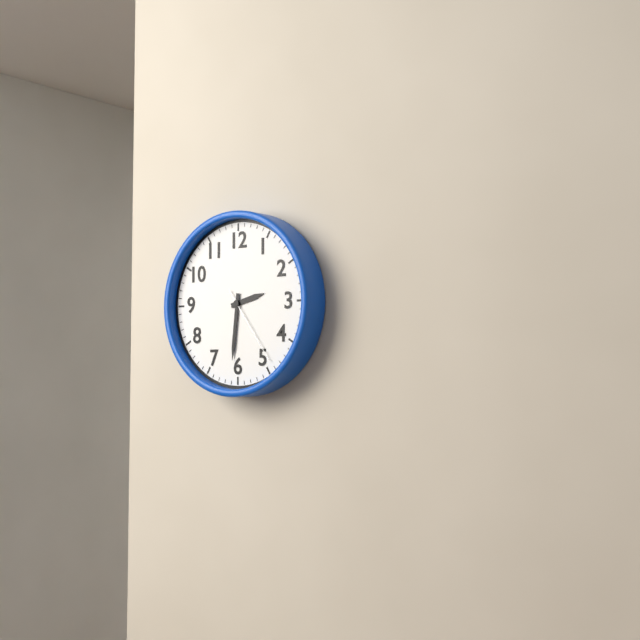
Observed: 2 h 31 min 24 s
